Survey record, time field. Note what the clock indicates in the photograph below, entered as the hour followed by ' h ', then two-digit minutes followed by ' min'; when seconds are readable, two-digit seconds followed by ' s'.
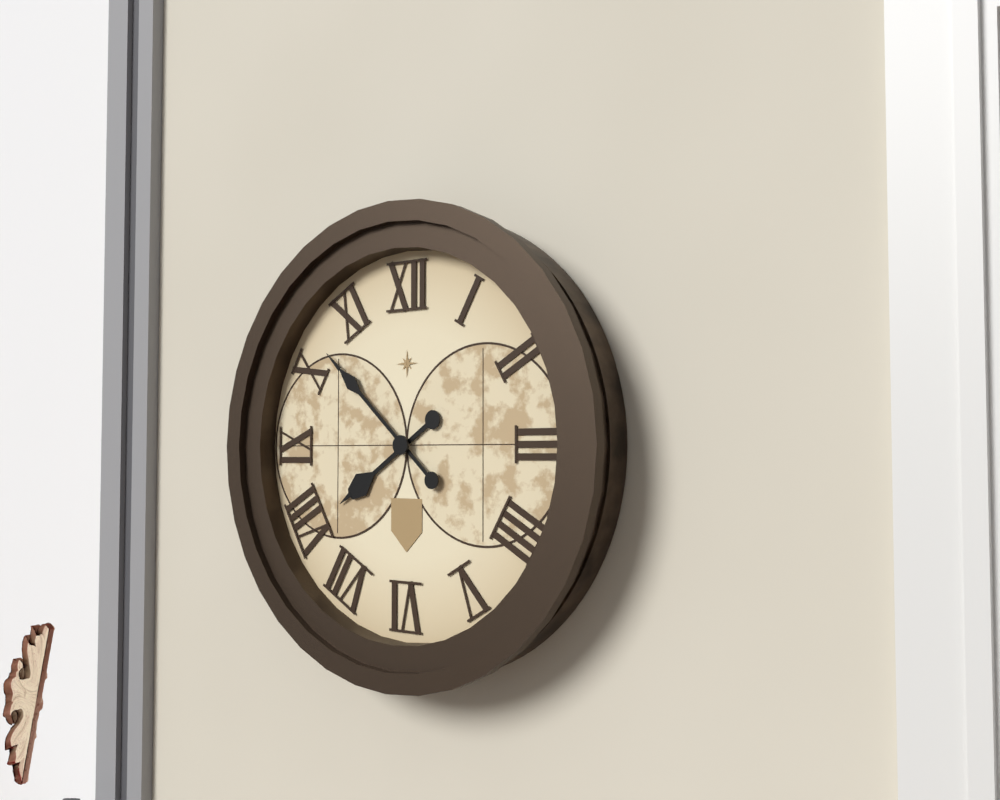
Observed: 7 h 52 min
